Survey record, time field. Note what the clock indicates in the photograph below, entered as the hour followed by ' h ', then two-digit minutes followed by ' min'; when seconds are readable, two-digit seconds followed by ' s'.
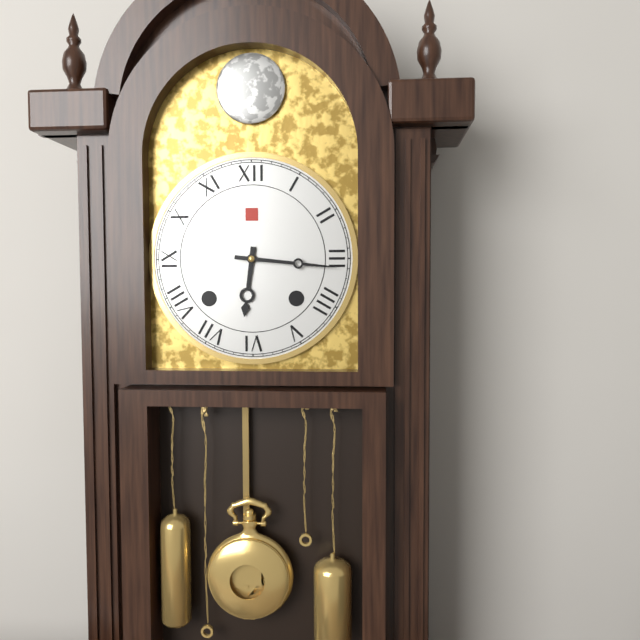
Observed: 6 h 16 min
